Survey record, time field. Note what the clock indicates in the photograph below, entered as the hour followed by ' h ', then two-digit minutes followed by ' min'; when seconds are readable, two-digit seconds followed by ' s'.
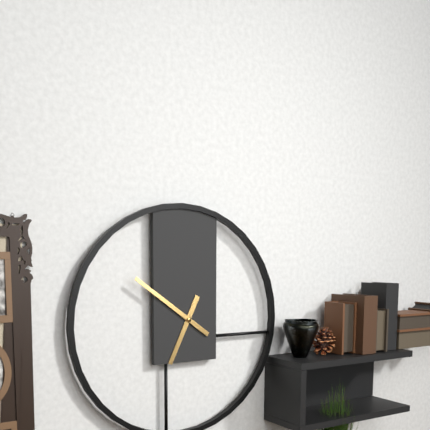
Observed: 6 h 51 min
